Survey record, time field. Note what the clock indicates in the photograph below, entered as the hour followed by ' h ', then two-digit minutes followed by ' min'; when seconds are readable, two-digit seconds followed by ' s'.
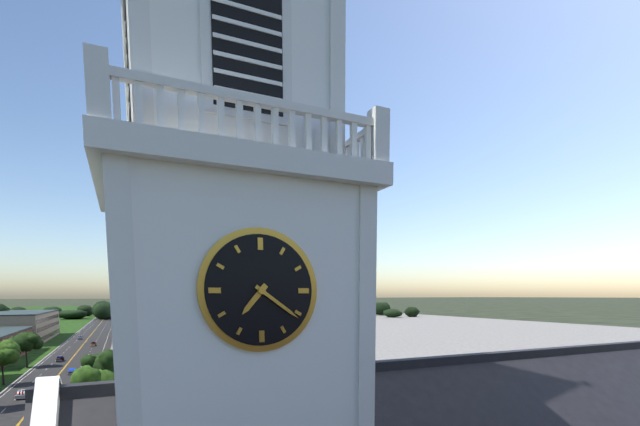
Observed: 7 h 21 min
